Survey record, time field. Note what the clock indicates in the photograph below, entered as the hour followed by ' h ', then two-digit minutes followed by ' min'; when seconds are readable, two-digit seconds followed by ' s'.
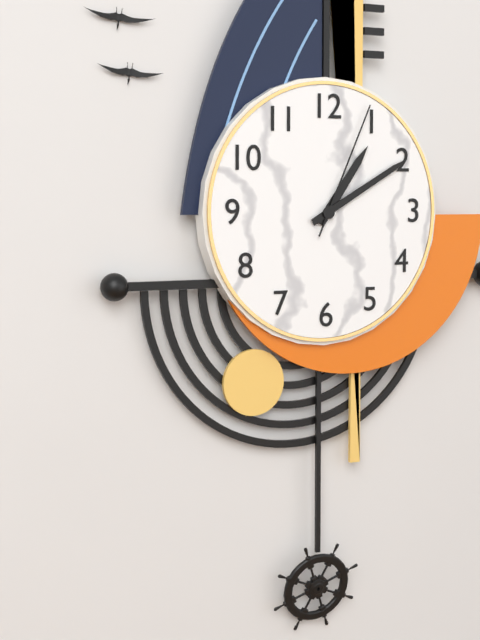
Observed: 1 h 10 min 04 s
